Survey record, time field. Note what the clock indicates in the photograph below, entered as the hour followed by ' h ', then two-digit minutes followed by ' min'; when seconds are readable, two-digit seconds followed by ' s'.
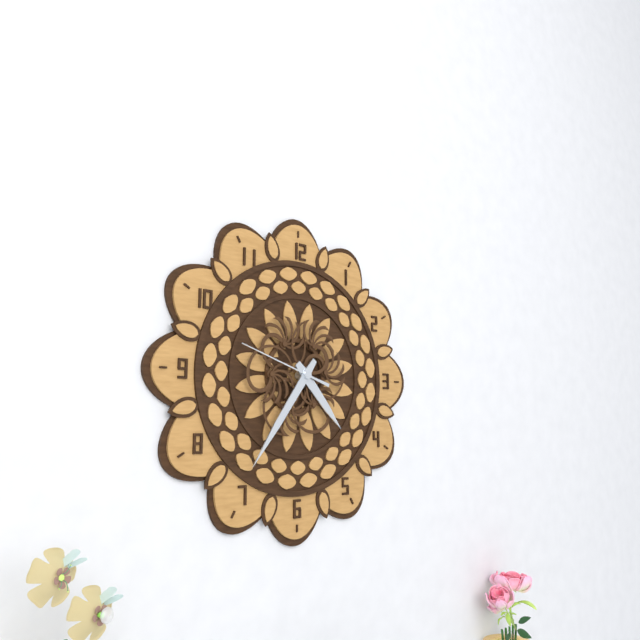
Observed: 4 h 36 min 48 s
